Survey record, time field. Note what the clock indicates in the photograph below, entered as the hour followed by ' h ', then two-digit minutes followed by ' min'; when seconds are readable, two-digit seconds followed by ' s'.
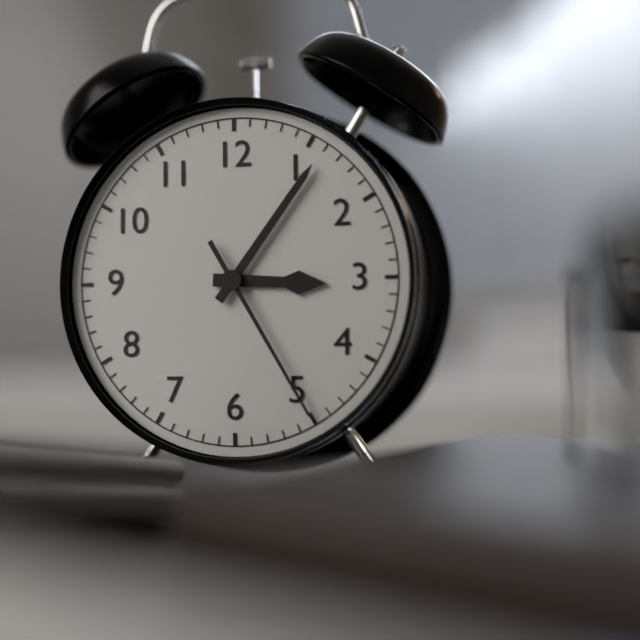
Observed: 3 h 06 min 25 s
